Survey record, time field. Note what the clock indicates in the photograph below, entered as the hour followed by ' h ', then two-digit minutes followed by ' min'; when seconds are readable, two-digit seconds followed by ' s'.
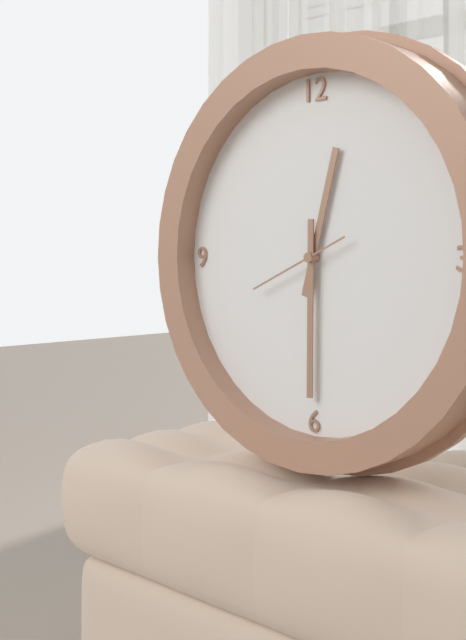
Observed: 12 h 30 min 41 s
